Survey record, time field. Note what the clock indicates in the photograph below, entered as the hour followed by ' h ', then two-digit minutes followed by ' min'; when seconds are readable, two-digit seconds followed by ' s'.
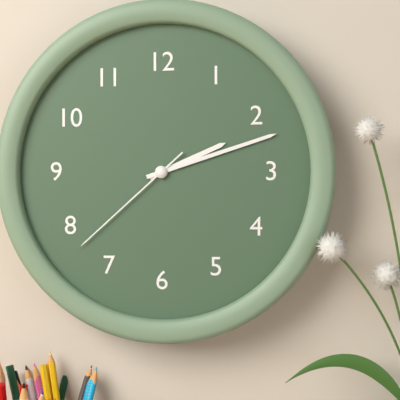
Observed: 2 h 12 min 38 s
